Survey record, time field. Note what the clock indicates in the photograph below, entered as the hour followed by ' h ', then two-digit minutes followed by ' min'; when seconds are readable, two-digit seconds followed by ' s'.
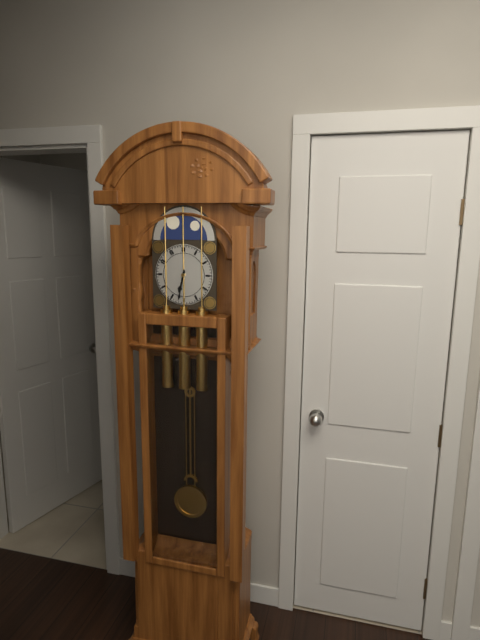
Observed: 6 h 32 min
